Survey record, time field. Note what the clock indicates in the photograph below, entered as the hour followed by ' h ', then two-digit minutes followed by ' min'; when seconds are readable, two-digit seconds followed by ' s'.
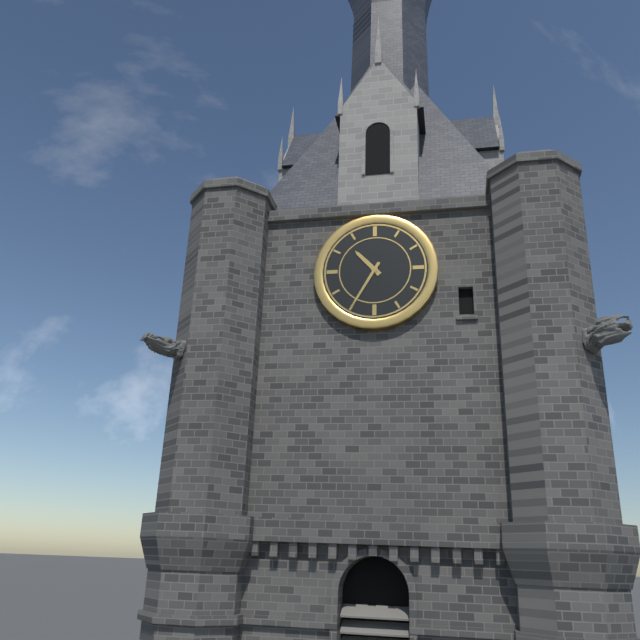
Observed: 10 h 35 min
